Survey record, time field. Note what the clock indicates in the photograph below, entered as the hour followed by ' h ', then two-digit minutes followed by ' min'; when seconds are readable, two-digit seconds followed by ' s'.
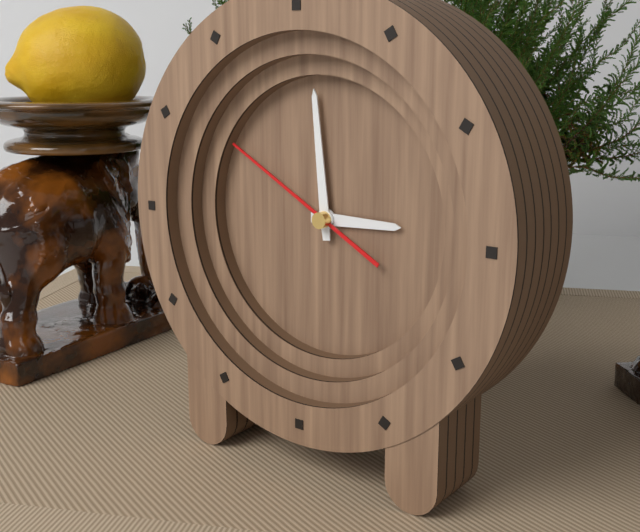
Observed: 2 h 59 min 50 s
